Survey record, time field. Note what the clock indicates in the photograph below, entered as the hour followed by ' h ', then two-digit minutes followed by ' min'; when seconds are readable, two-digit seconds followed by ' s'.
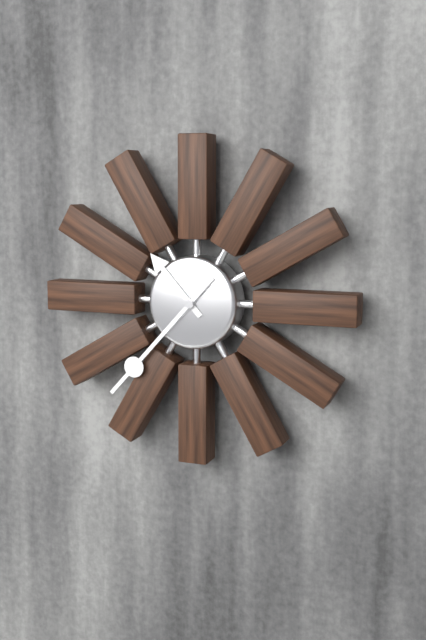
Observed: 10 h 37 min
